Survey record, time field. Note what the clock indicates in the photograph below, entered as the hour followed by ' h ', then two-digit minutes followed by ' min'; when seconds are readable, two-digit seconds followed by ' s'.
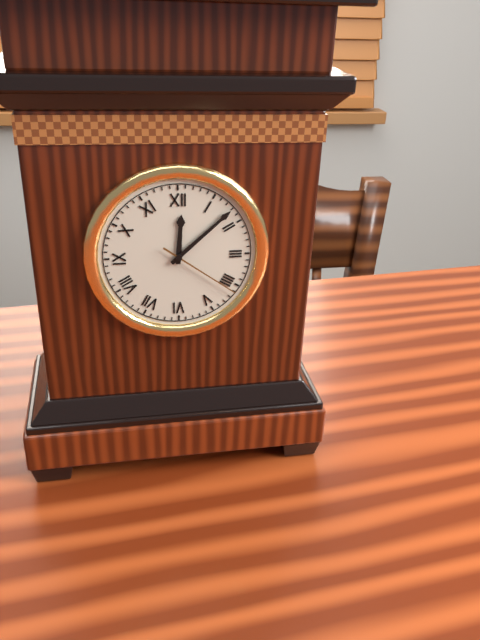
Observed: 12 h 08 min 21 s
